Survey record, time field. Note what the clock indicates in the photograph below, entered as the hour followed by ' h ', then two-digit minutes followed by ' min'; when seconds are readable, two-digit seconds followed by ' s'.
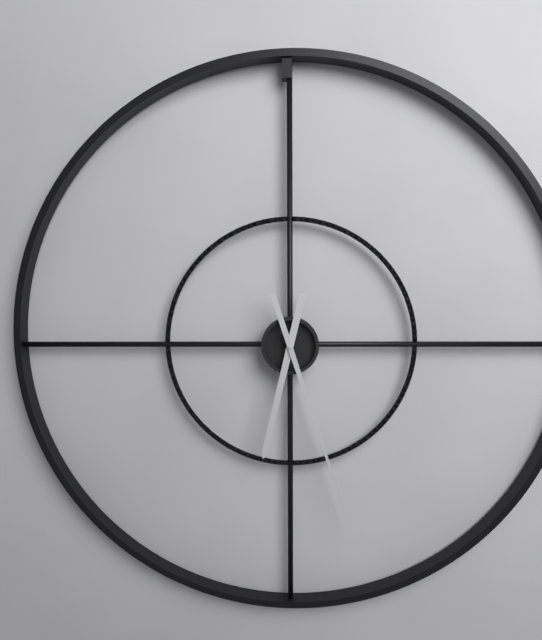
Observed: 6 h 27 min
